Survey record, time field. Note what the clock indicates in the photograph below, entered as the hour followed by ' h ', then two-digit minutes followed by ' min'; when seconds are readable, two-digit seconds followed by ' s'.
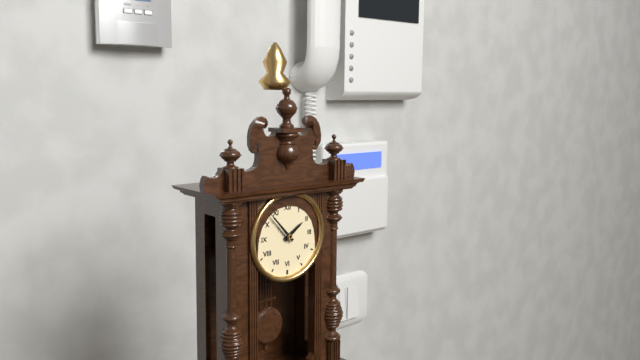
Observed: 1 h 53 min
